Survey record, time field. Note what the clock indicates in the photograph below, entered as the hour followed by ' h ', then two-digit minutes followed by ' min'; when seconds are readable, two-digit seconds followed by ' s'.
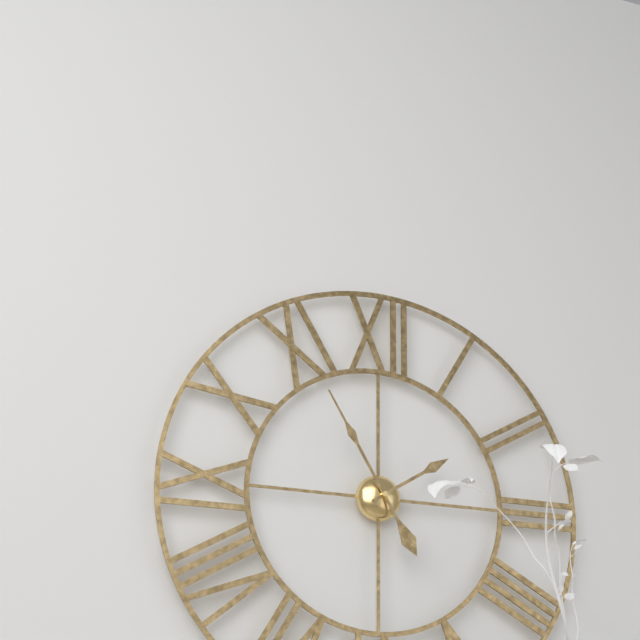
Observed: 1 h 55 min
